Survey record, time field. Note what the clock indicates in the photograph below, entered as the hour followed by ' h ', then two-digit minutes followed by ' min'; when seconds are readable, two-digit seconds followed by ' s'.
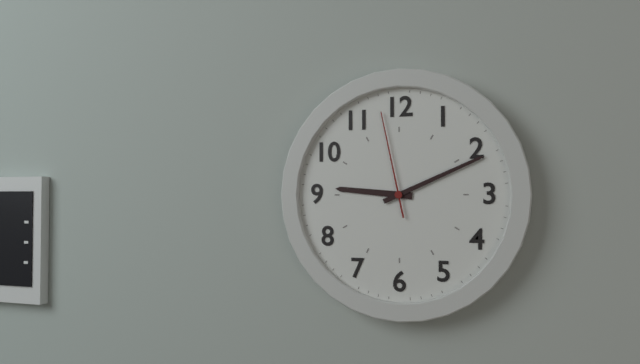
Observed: 9 h 11 min 58 s
